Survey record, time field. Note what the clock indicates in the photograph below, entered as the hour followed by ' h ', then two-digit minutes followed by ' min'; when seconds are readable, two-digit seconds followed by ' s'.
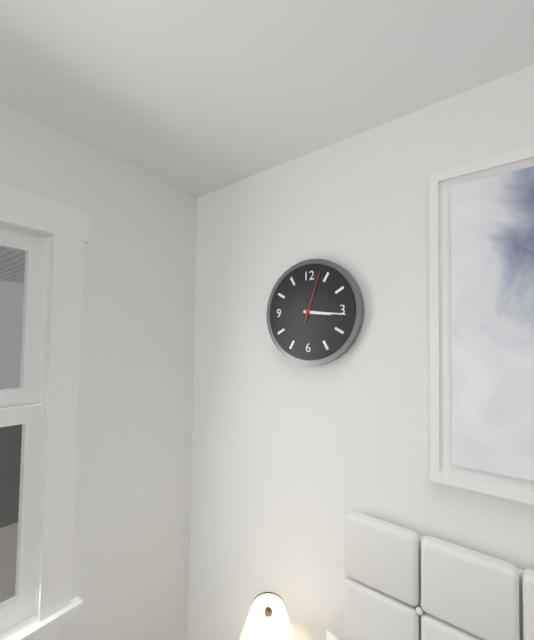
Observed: 3 h 16 min 03 s
